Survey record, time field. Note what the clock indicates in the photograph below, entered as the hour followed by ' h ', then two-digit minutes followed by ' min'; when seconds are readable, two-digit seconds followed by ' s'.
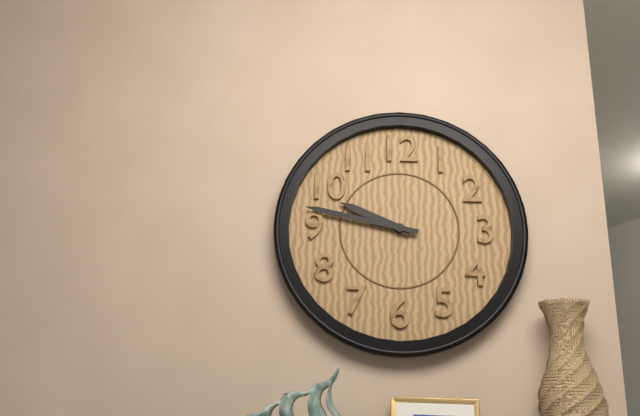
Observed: 9 h 47 min
